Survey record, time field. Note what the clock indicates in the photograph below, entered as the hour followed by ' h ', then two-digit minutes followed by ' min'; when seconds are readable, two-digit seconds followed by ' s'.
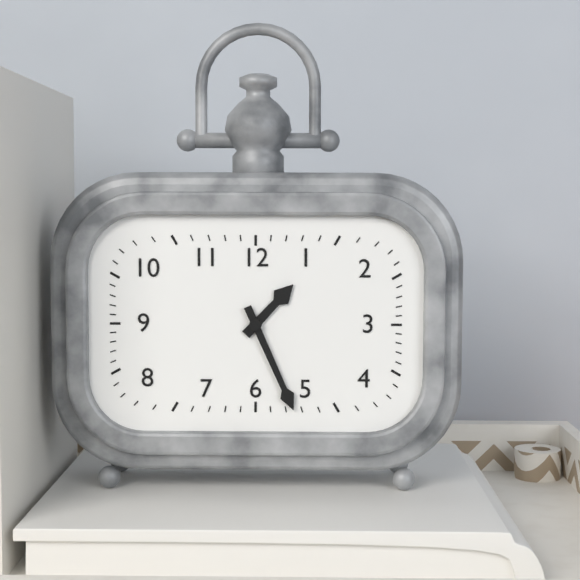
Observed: 1 h 26 min
